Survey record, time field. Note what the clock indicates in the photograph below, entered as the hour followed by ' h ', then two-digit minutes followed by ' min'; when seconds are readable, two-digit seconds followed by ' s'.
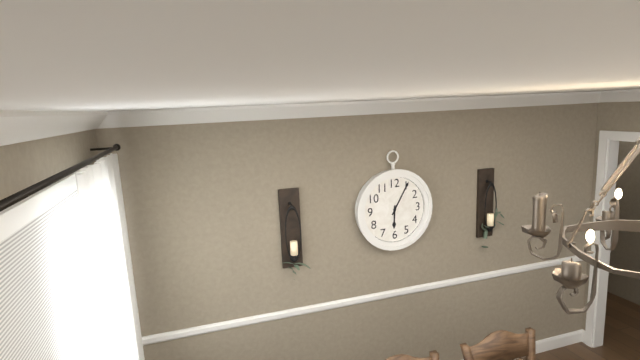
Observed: 6 h 05 min
